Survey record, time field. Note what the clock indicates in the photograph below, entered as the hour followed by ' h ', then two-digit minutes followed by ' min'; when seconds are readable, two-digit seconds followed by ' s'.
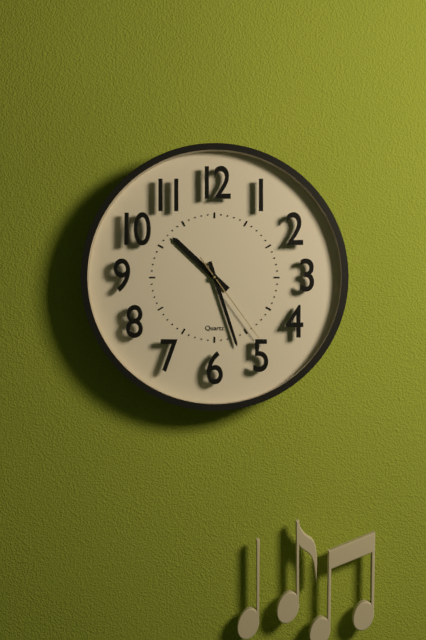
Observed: 10 h 27 min 24 s
